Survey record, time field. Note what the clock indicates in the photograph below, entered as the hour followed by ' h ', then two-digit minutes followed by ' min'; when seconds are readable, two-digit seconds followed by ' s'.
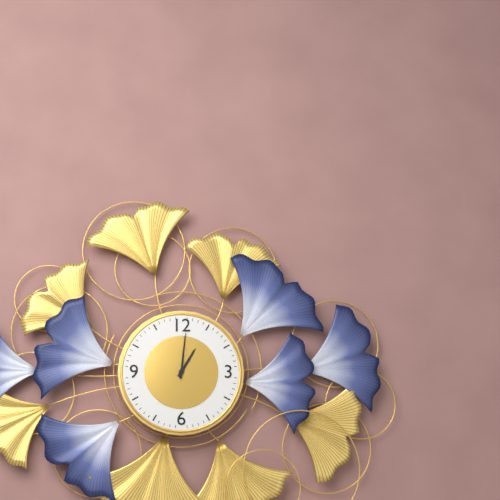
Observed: 1 h 01 min
